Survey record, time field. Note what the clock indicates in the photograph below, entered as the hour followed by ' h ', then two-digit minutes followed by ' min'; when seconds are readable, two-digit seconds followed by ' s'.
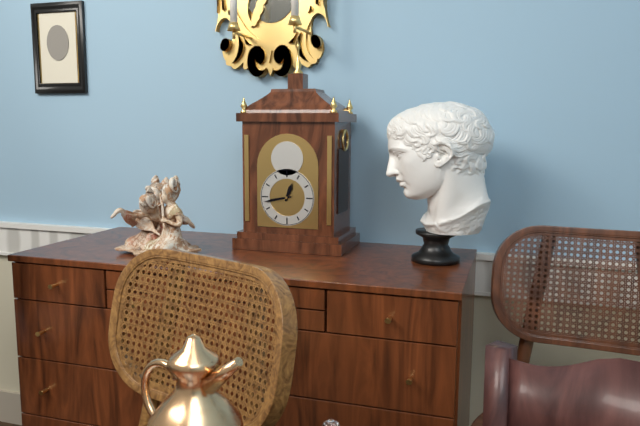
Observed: 12 h 43 min
